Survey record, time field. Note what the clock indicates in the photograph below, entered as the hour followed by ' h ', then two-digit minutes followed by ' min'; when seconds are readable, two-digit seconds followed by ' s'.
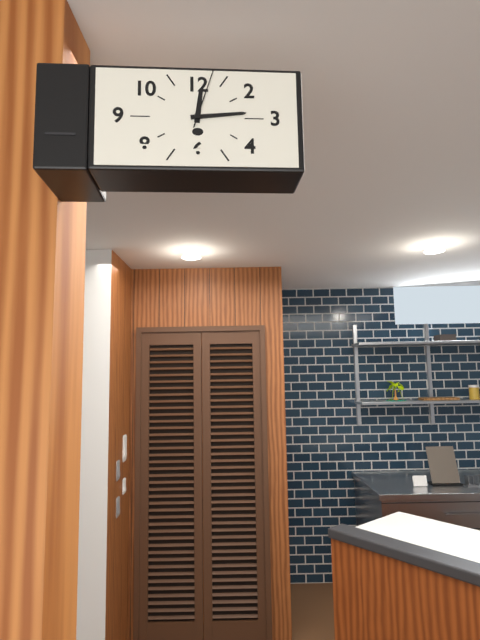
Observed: 12 h 14 min 03 s
